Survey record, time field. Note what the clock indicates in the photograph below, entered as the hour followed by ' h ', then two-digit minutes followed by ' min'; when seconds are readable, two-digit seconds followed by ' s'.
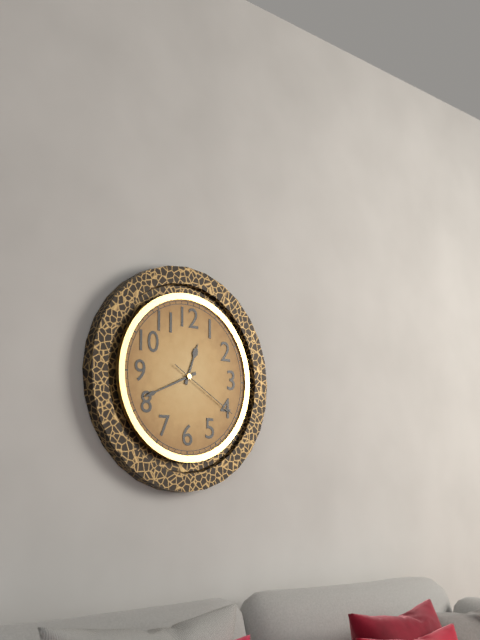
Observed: 12 h 41 min 20 s
